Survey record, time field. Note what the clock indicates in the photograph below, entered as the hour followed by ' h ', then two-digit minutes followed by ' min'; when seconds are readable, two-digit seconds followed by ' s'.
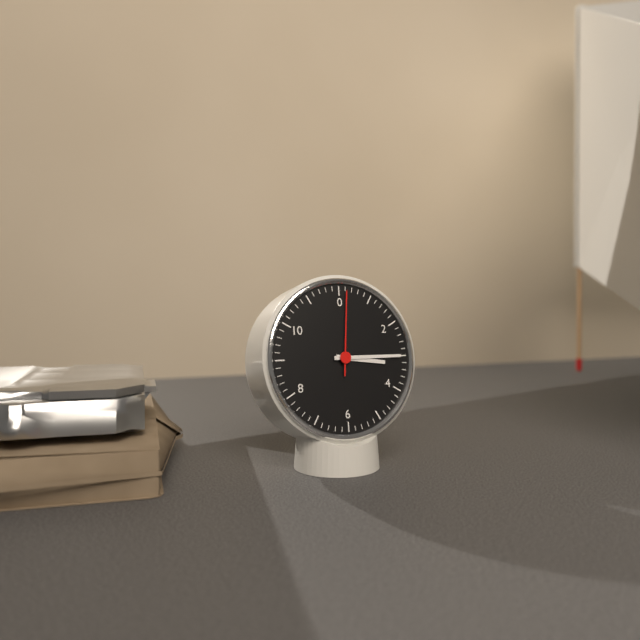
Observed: 3 h 15 min 01 s
